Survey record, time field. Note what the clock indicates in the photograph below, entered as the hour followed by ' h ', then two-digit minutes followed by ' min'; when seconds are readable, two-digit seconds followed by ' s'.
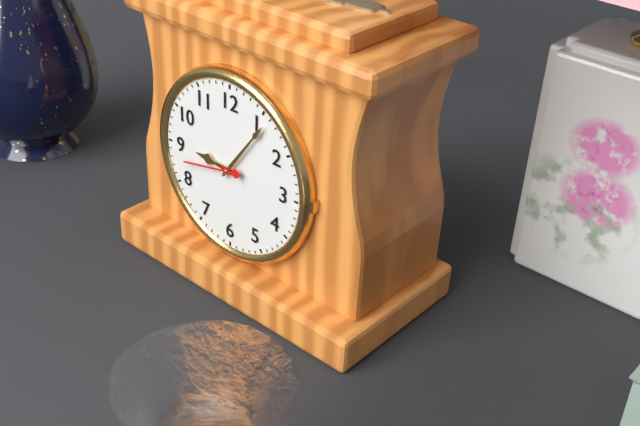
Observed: 9 h 06 min 43 s
